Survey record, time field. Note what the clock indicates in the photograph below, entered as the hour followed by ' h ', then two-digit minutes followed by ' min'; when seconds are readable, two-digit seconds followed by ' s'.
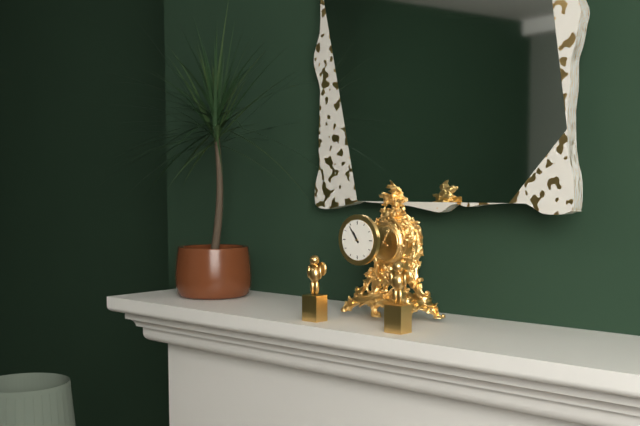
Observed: 10 h 54 min
